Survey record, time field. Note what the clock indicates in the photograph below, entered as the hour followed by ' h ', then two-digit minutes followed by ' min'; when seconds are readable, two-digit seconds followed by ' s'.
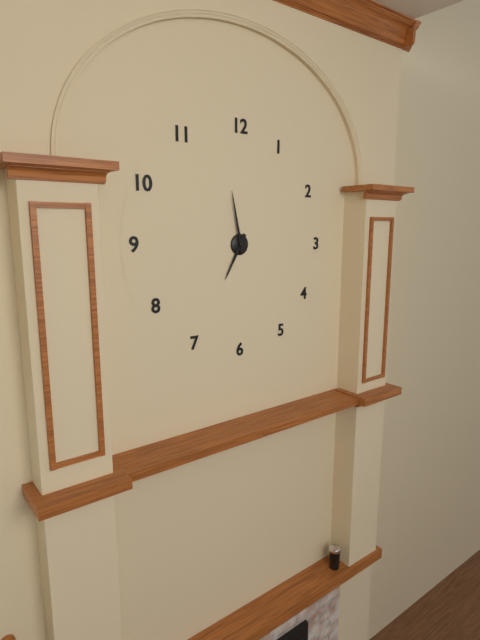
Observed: 6 h 58 min
